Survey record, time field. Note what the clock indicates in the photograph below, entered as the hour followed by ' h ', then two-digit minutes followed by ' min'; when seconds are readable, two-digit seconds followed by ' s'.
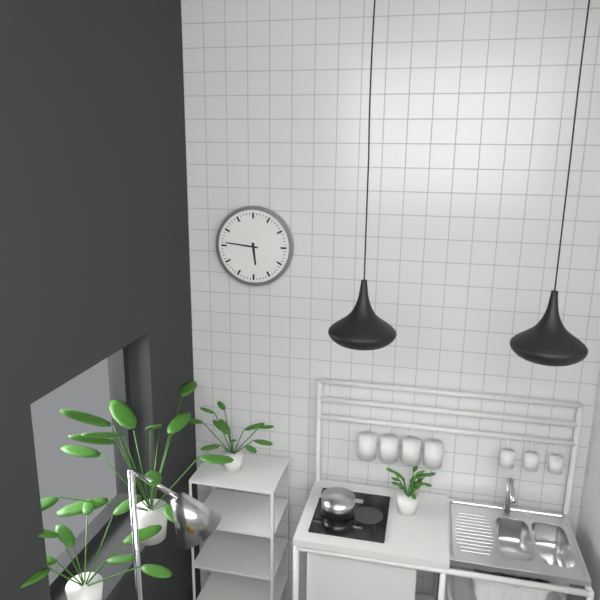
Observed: 5 h 46 min
